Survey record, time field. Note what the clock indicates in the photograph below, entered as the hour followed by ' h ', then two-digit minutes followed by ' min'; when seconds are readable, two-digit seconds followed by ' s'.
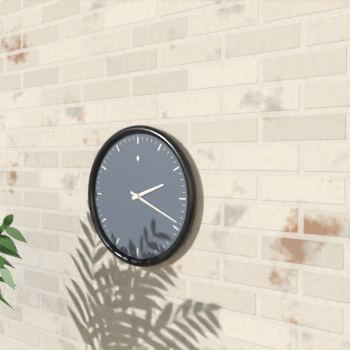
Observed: 2 h 19 min
